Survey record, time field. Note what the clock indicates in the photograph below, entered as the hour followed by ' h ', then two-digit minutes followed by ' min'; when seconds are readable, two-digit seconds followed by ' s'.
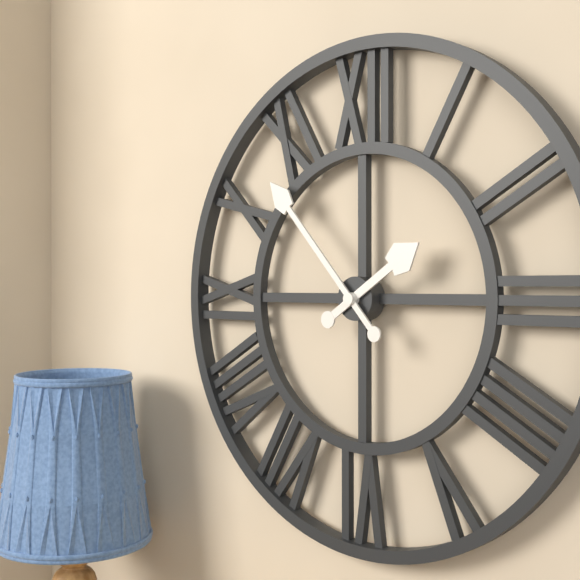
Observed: 1 h 53 min
